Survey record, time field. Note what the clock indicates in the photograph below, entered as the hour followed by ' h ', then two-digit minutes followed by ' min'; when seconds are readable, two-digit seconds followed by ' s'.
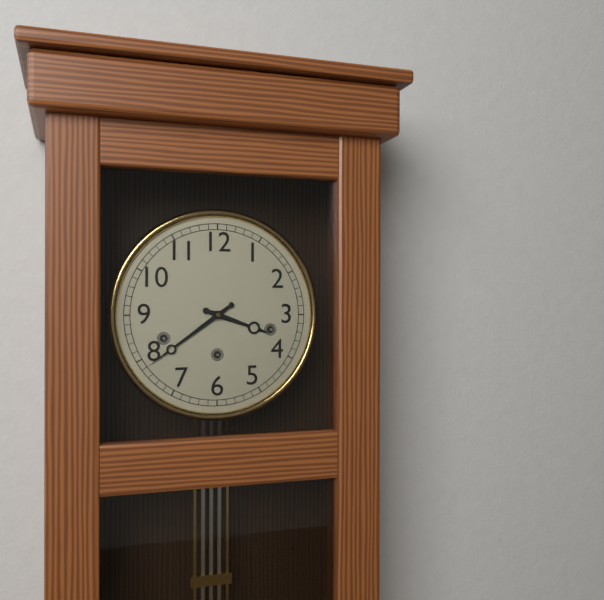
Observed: 3 h 39 min
